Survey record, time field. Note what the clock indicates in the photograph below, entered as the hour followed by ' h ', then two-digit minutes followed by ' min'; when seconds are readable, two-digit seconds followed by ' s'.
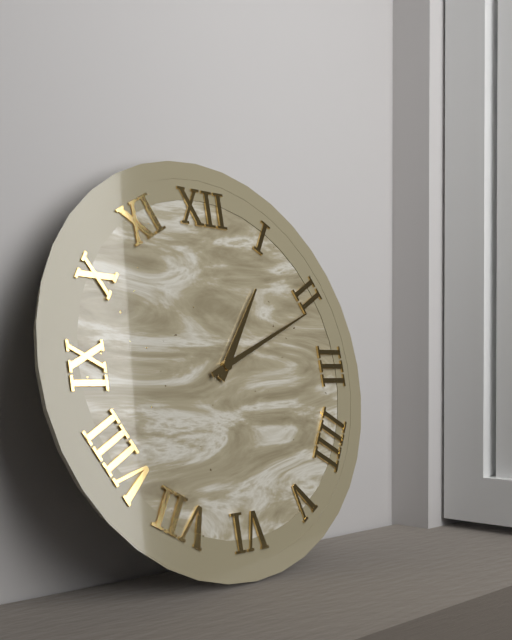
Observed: 1 h 11 min
